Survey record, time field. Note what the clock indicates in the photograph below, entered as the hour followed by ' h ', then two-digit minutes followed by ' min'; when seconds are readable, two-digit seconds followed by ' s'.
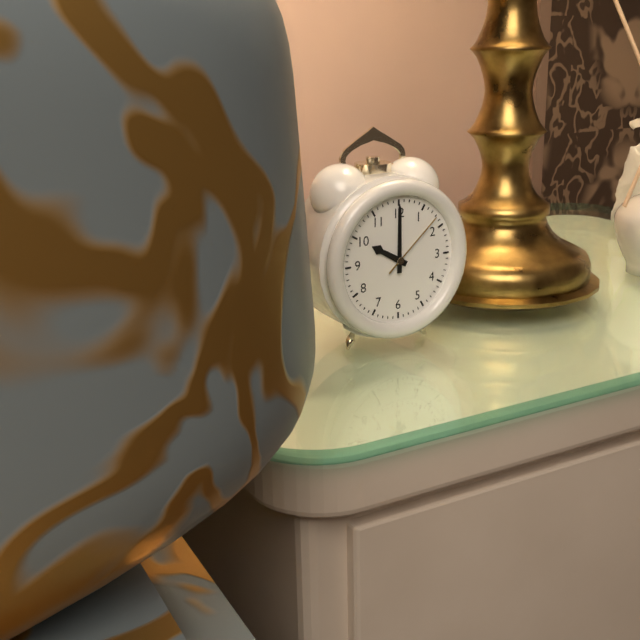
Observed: 10 h 00 min 08 s
